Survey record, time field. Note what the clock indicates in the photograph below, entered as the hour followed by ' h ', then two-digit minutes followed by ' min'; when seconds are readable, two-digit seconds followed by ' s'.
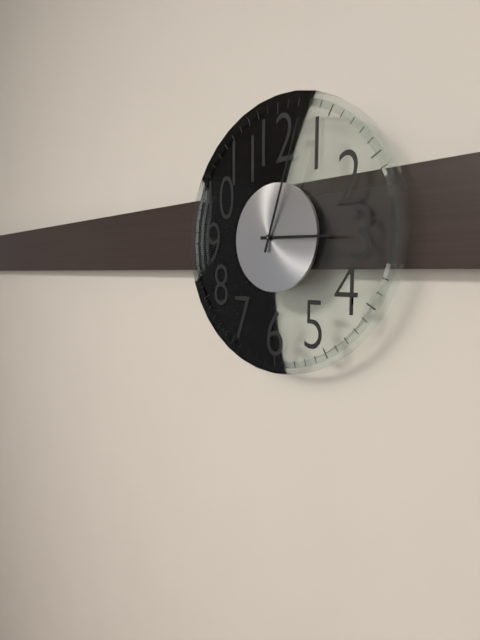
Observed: 3 h 03 min
